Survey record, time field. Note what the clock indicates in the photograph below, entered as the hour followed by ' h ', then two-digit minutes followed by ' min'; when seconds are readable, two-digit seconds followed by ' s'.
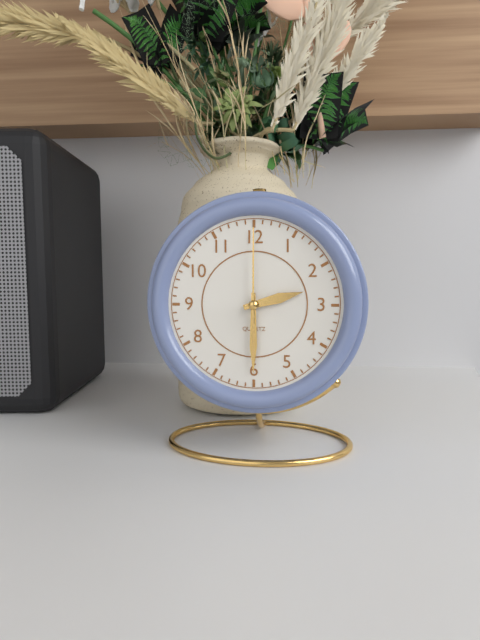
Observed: 2 h 30 min 00 s
